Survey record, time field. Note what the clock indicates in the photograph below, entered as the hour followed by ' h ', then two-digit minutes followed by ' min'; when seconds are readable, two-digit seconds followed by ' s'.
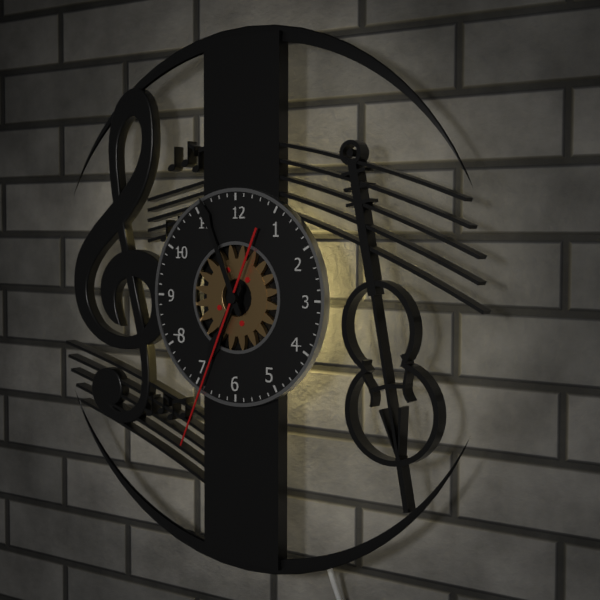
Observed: 6 h 56 min 34 s
